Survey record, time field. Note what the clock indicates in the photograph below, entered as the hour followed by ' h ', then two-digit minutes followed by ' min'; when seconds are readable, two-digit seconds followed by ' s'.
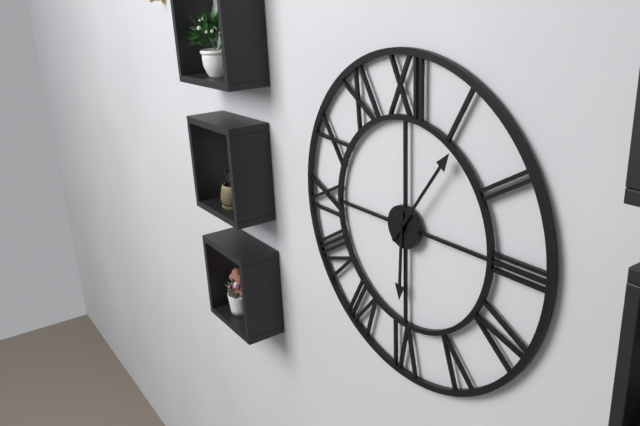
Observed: 6 h 06 min
